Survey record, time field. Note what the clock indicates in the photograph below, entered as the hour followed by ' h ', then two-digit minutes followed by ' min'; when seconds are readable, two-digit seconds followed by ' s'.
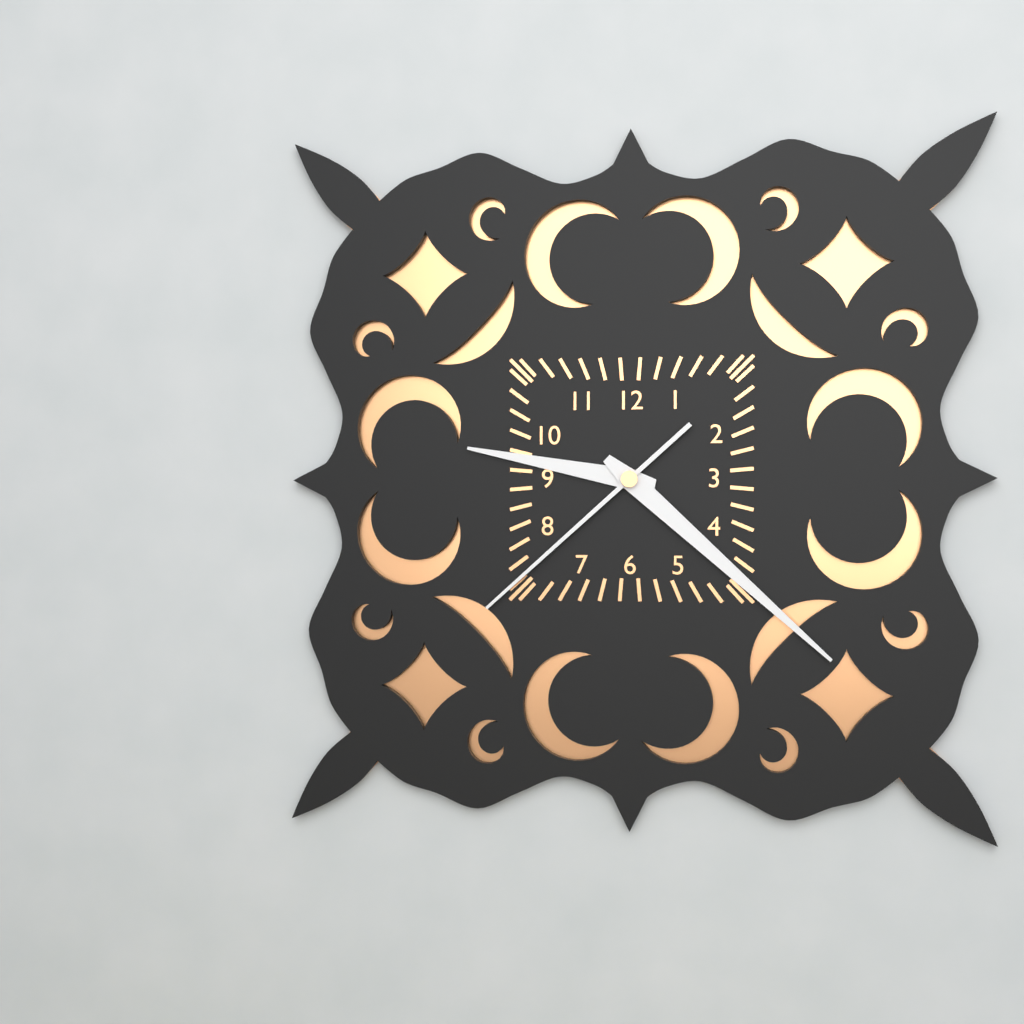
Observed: 9 h 22 min 38 s
